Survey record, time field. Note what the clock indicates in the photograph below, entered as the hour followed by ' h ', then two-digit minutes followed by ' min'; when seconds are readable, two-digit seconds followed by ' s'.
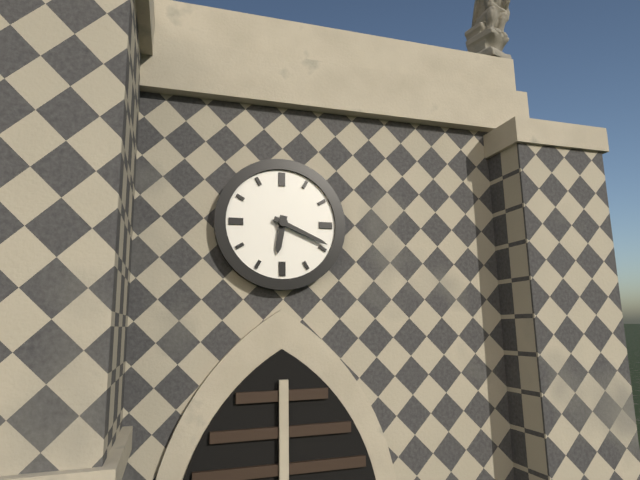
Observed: 6 h 19 min
